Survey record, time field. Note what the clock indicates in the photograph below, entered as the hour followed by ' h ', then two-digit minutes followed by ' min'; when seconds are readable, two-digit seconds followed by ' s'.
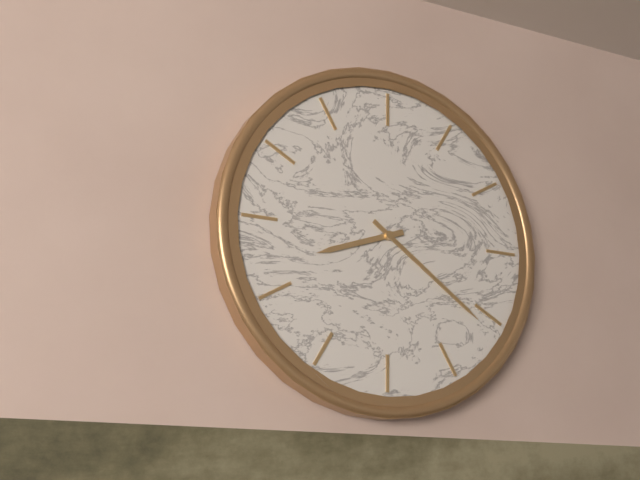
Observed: 8 h 21 min
